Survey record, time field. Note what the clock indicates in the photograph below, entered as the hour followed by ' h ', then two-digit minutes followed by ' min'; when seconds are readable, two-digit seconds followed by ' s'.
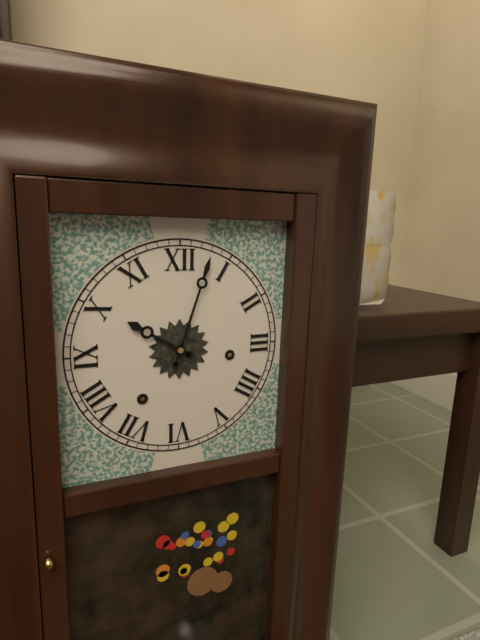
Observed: 10 h 03 min
